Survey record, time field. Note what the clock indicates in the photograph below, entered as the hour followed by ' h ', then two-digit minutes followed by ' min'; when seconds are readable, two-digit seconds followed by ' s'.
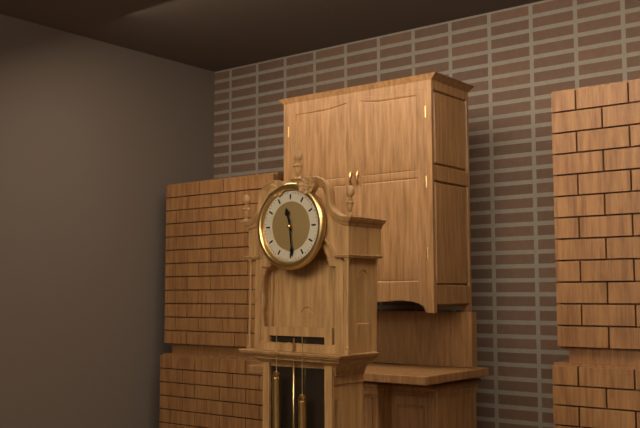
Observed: 11 h 29 min
